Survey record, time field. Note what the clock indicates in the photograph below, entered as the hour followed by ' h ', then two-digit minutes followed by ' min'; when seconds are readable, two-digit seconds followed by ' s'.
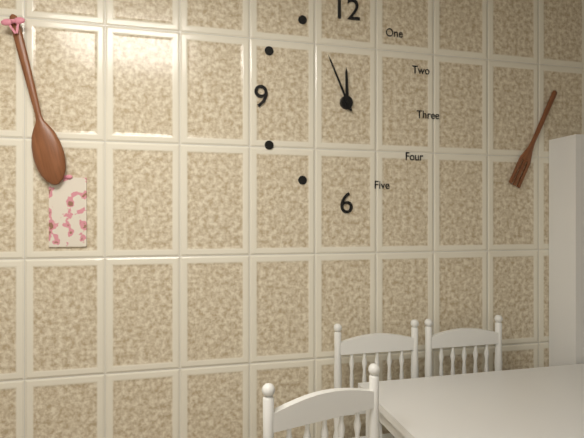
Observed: 11 h 56 min
